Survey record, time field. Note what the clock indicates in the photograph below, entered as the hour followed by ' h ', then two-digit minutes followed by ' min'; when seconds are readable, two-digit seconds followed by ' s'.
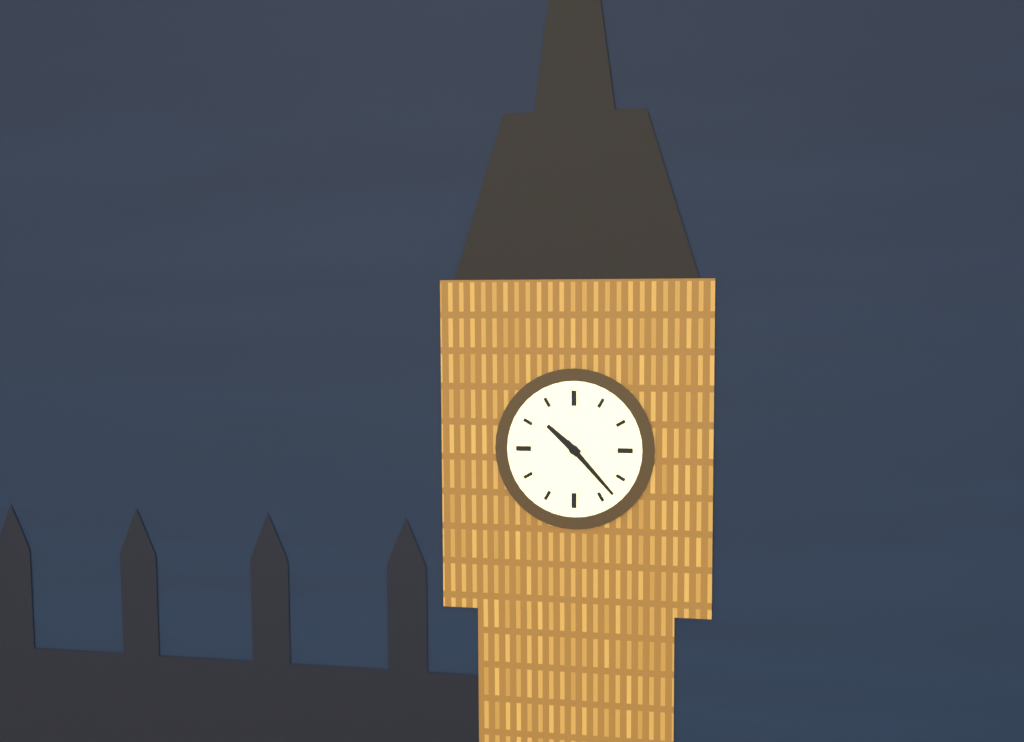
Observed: 10 h 23 min
